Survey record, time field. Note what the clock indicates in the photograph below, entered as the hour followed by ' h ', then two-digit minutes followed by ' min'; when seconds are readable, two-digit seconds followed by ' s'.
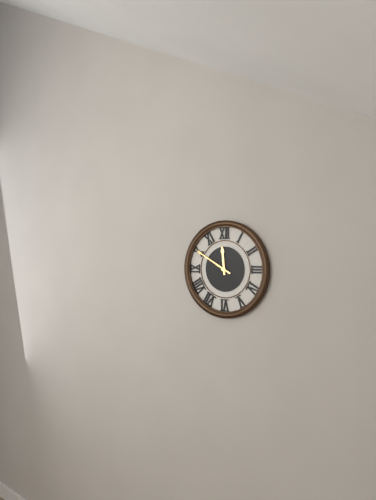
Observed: 11 h 50 min
